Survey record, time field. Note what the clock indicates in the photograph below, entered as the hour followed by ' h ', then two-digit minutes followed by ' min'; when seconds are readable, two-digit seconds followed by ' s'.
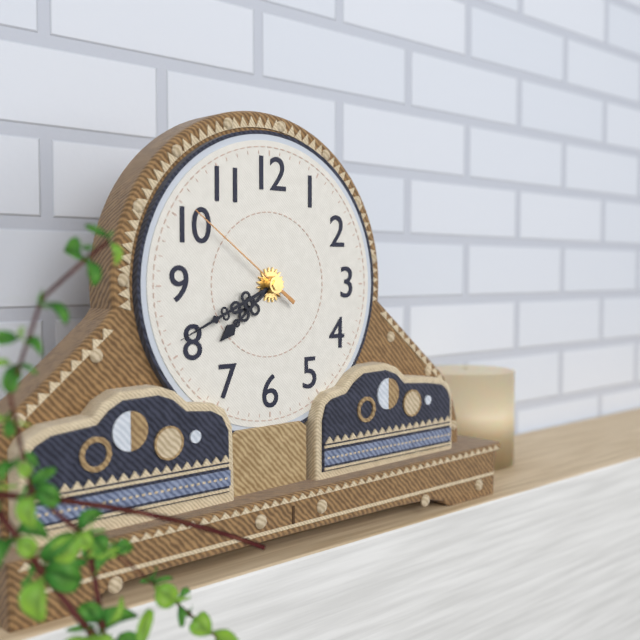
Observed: 7 h 41 min 51 s
